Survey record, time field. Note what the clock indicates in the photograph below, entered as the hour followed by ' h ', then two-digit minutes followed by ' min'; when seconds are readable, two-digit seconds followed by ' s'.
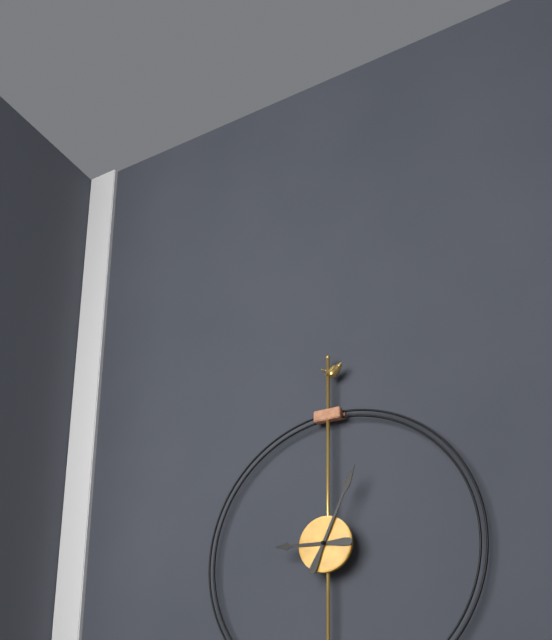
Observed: 9 h 04 min
